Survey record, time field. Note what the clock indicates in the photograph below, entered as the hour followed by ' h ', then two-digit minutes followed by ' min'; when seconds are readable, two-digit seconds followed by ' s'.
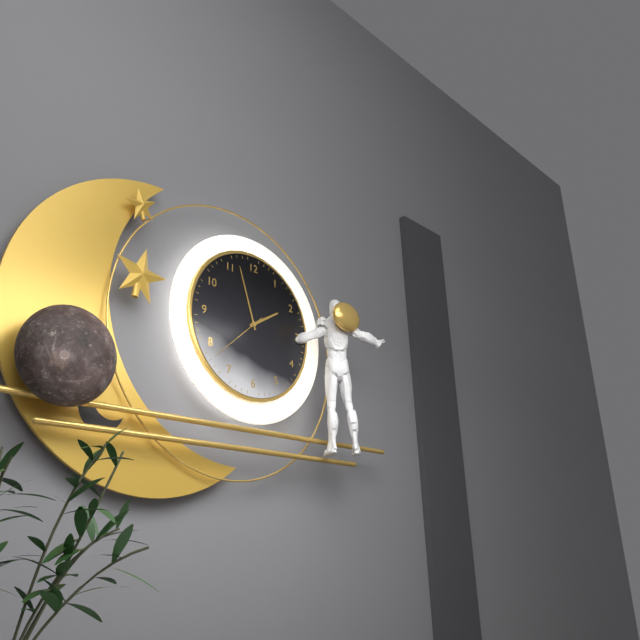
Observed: 1 h 57 min 38 s
